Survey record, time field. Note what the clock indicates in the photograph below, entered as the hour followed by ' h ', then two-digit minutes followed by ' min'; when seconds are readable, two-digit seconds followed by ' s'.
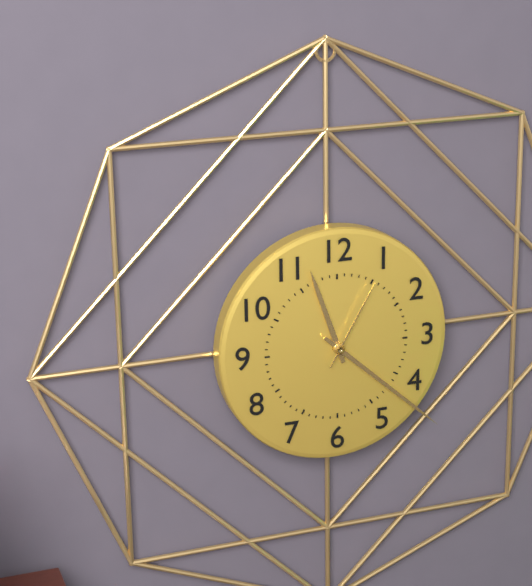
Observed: 11 h 22 min 05 s
